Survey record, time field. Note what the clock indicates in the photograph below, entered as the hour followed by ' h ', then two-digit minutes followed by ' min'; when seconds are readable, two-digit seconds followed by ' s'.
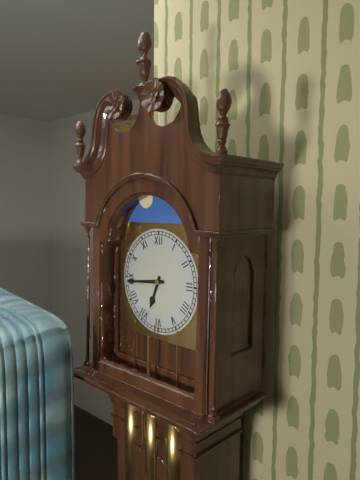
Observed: 6 h 44 min
